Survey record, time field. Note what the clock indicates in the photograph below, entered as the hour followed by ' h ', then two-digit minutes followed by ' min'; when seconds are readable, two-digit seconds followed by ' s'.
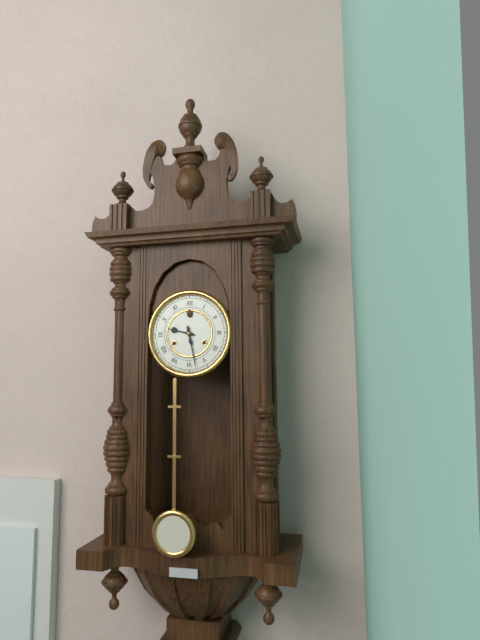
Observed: 9 h 28 min
